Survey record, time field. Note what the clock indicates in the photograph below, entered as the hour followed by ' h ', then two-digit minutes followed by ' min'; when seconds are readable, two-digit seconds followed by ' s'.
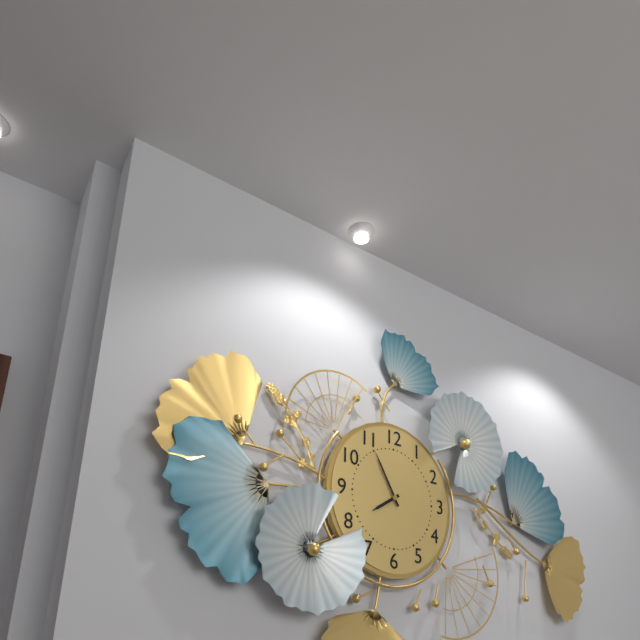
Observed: 7 h 55 min
